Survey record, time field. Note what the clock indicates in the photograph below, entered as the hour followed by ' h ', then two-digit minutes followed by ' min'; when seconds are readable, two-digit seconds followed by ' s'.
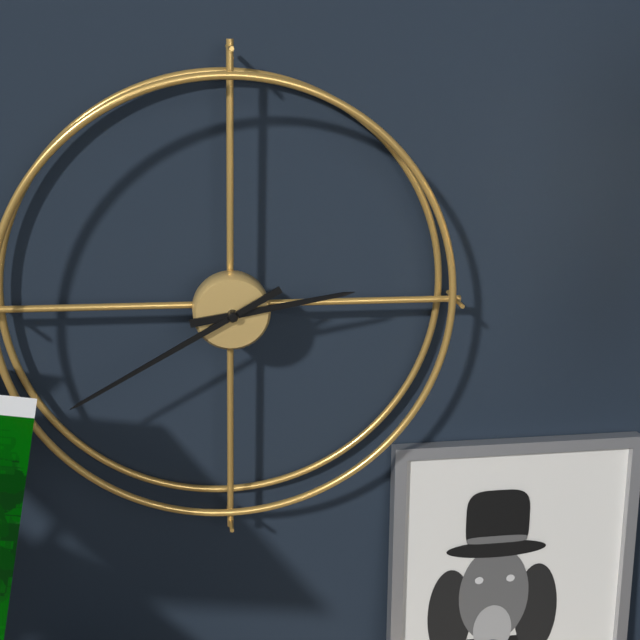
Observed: 2 h 40 min
